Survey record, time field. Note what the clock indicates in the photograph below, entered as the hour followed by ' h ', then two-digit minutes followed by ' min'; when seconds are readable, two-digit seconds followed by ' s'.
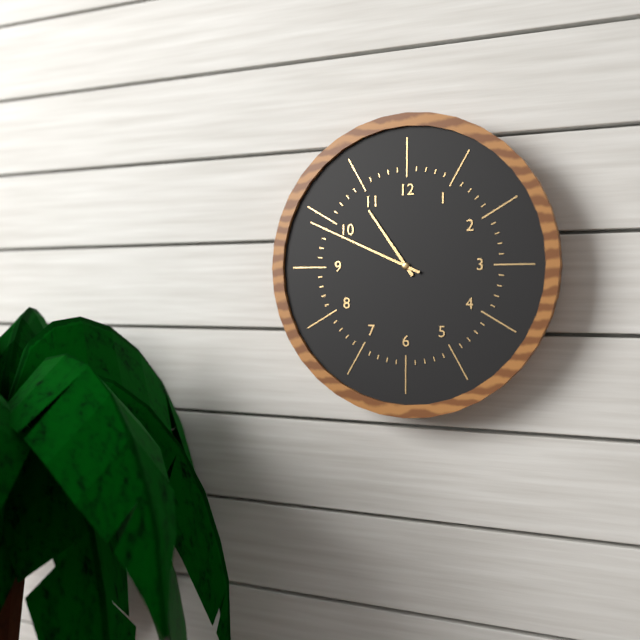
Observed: 10 h 49 min
